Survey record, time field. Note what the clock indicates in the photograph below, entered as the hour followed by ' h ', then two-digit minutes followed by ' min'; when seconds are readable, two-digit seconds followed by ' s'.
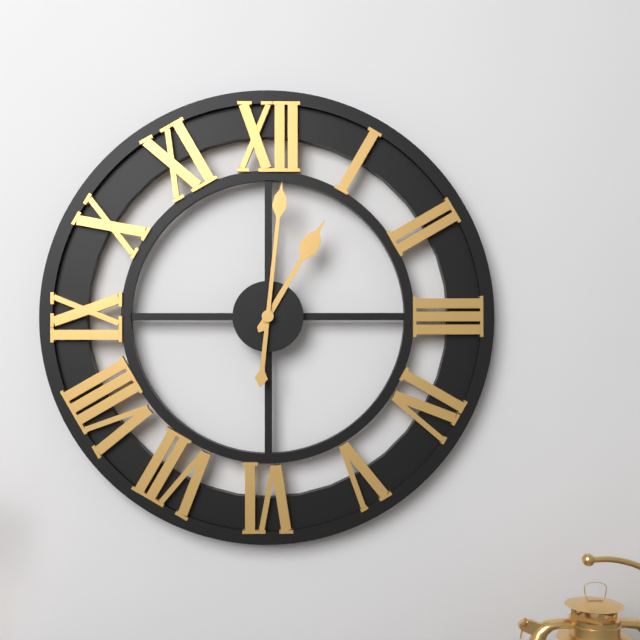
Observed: 1 h 01 min
